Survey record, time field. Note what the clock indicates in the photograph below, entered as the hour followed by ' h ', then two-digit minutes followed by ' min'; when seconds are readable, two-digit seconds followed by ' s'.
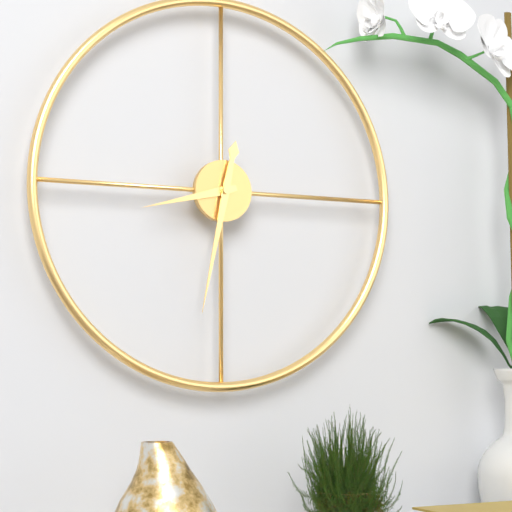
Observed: 8 h 32 min
